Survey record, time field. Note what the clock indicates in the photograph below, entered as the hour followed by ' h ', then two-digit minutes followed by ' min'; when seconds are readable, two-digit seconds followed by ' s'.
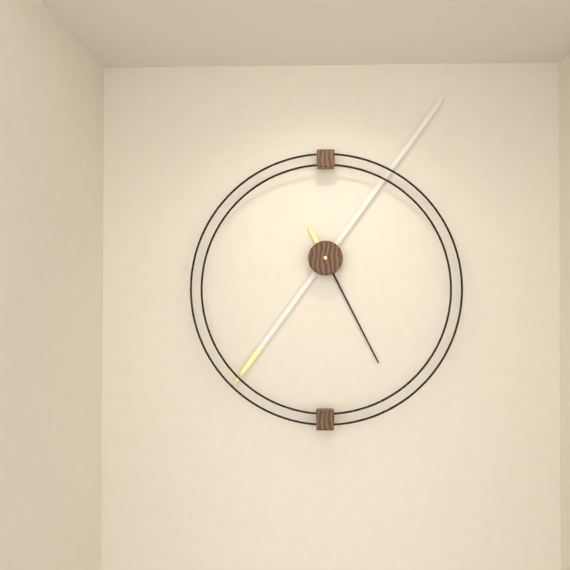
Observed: 5 h 06 min
